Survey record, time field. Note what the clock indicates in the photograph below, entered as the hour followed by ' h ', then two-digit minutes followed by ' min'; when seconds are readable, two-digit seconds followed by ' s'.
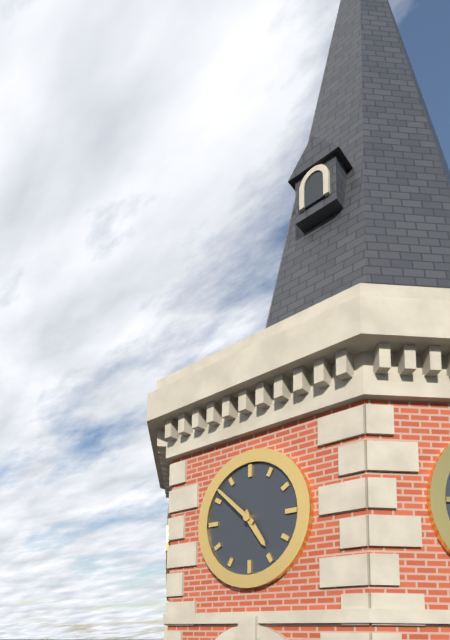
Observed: 4 h 52 min
